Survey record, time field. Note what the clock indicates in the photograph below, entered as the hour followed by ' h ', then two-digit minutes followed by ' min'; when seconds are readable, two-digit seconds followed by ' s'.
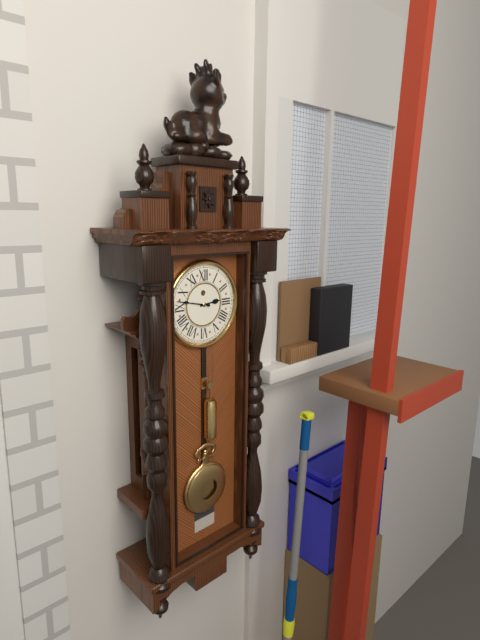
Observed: 2 h 47 min
